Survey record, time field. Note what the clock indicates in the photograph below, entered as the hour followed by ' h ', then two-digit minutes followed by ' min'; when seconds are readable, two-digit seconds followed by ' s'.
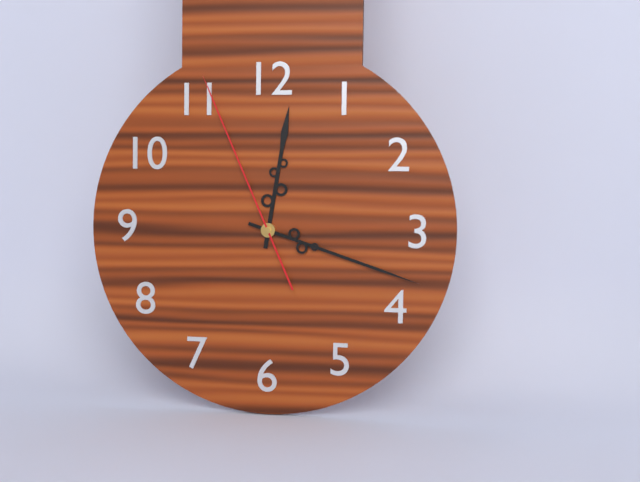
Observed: 12 h 18 min 56 s
